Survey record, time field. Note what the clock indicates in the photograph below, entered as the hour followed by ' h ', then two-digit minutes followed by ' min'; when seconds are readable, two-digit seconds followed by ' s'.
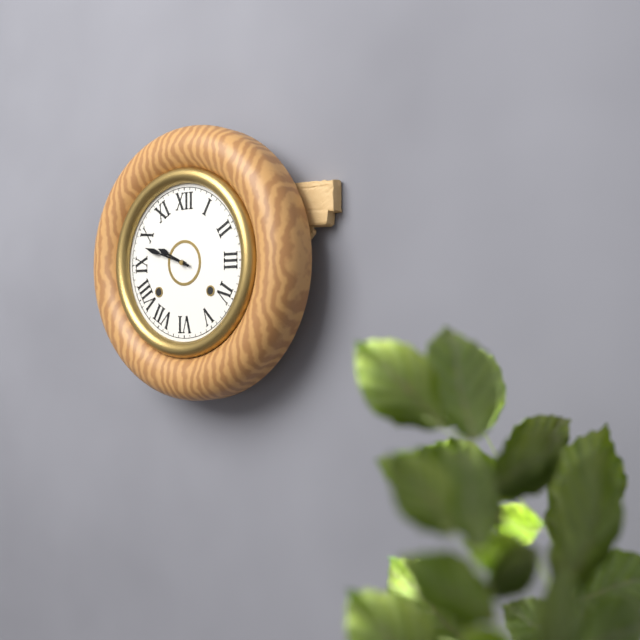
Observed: 9 h 48 min
